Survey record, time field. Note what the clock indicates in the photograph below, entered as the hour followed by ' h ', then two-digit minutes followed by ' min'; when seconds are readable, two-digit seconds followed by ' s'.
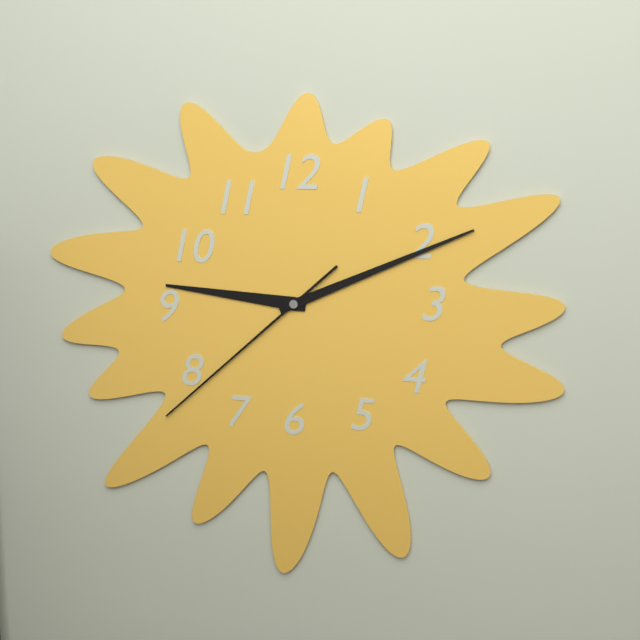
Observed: 9 h 11 min 38 s
